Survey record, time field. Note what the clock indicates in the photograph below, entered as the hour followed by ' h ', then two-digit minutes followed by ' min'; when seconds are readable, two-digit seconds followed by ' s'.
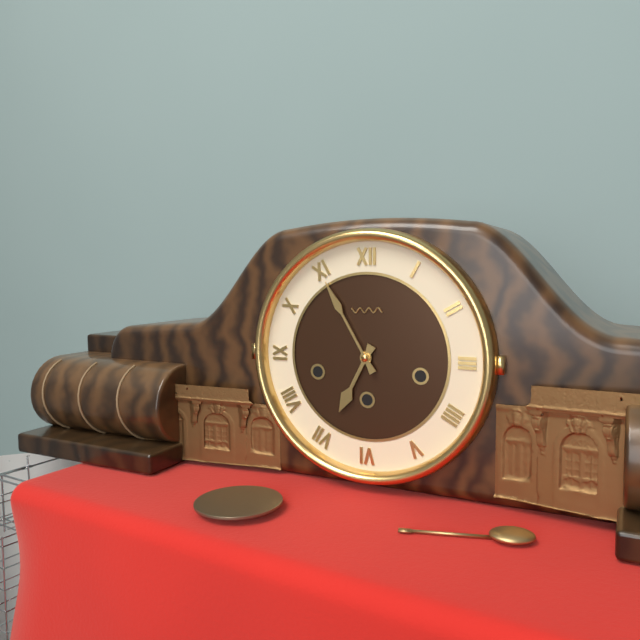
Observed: 6 h 55 min
